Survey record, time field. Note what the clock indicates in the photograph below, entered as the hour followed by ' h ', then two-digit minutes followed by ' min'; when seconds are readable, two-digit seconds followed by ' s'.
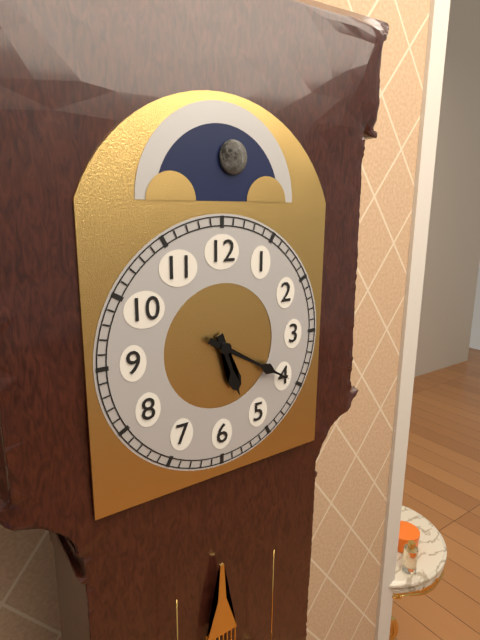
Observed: 5 h 20 min
